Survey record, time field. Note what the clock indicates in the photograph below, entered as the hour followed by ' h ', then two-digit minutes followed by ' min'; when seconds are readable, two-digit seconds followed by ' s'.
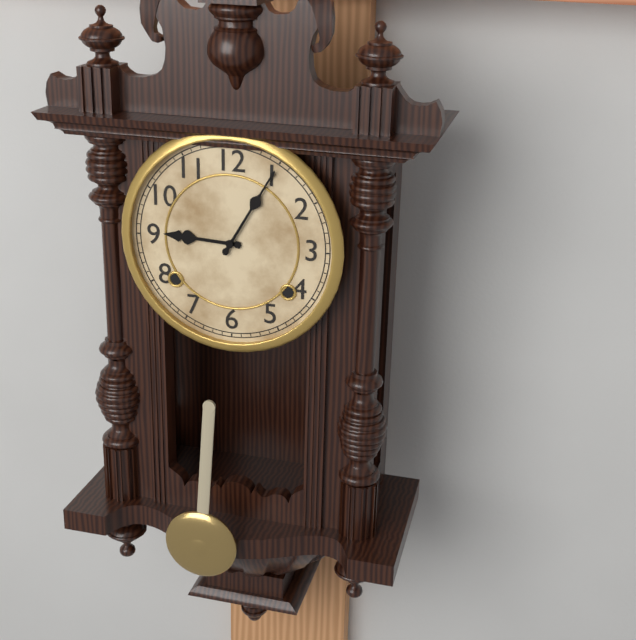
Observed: 9 h 05 min
